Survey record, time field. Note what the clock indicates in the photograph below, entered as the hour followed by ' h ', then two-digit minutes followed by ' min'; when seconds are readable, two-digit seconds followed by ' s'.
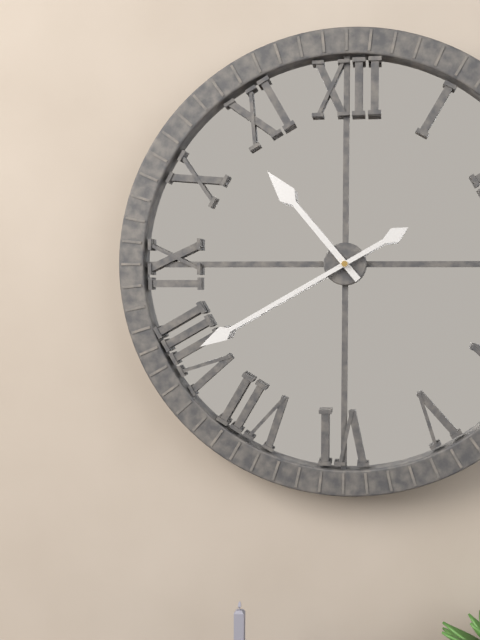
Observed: 10 h 40 min
